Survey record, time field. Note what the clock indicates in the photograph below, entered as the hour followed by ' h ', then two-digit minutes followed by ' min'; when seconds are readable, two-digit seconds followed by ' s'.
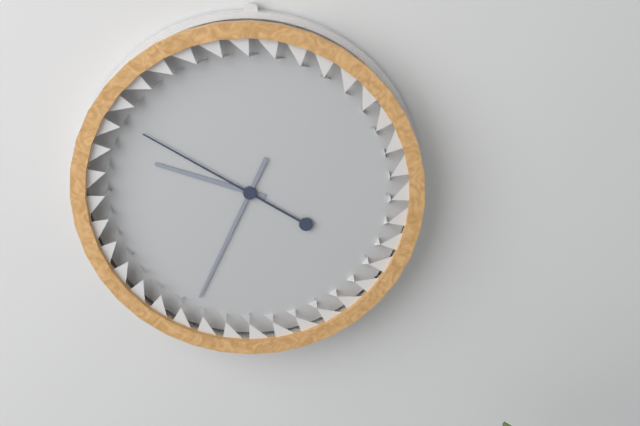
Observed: 9 h 34 min 50 s
